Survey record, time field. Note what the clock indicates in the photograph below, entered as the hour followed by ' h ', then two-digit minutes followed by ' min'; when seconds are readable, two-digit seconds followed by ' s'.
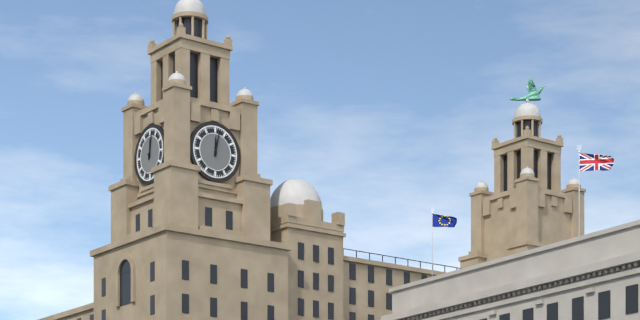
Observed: 12 h 02 min
